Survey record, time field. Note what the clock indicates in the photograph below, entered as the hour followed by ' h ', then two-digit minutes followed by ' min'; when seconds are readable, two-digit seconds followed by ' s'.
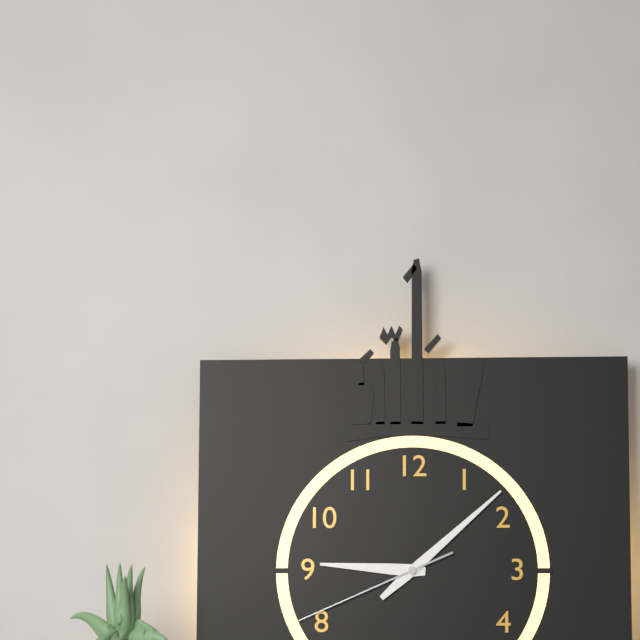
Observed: 9 h 08 min 41 s
